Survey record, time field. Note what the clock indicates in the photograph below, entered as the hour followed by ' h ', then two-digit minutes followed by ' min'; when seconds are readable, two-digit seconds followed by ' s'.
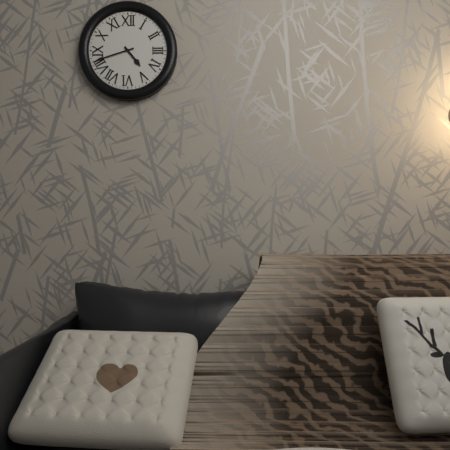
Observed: 4 h 42 min
